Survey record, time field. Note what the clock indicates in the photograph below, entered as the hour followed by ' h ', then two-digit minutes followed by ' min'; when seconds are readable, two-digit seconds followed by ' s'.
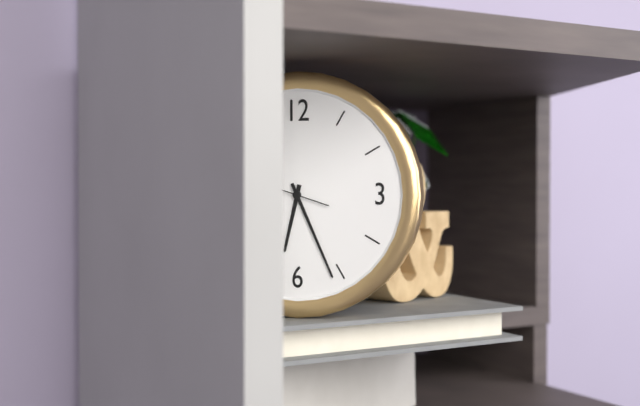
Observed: 6 h 26 min
